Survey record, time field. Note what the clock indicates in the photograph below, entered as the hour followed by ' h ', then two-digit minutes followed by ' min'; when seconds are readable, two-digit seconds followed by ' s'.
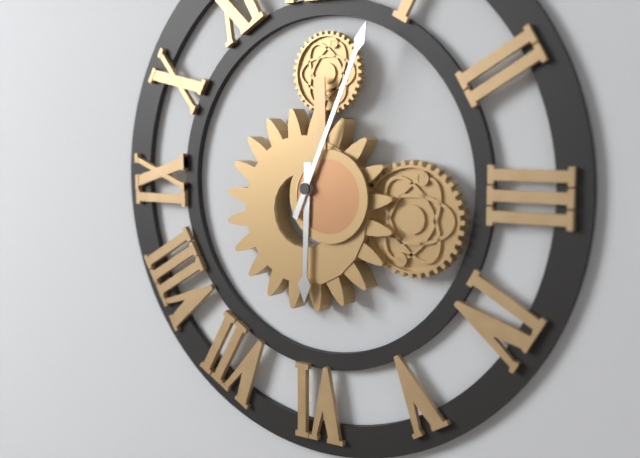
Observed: 6 h 04 min
